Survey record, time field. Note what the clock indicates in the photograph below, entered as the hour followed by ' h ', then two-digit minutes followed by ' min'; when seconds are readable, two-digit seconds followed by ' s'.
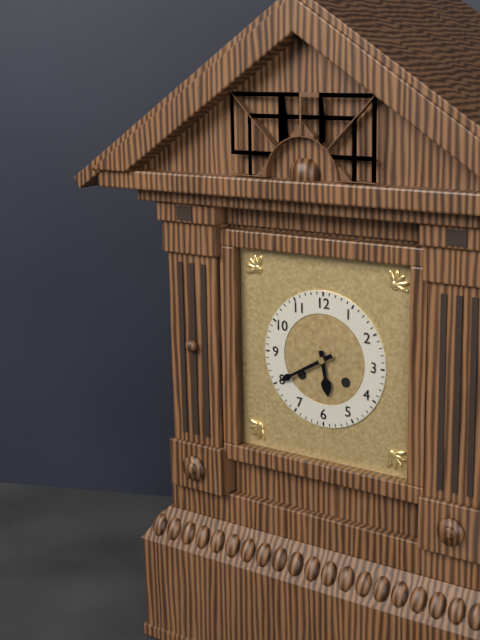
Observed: 5 h 40 min
